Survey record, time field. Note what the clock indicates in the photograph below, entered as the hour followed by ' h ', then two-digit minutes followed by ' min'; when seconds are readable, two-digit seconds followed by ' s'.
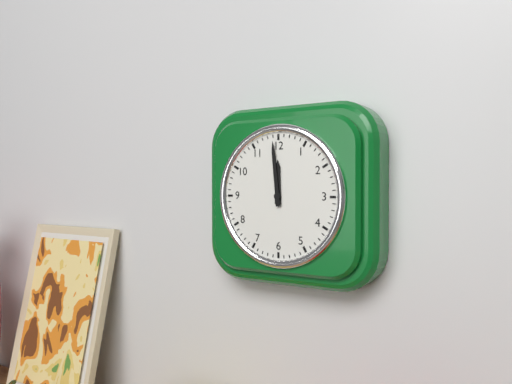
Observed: 11 h 59 min
